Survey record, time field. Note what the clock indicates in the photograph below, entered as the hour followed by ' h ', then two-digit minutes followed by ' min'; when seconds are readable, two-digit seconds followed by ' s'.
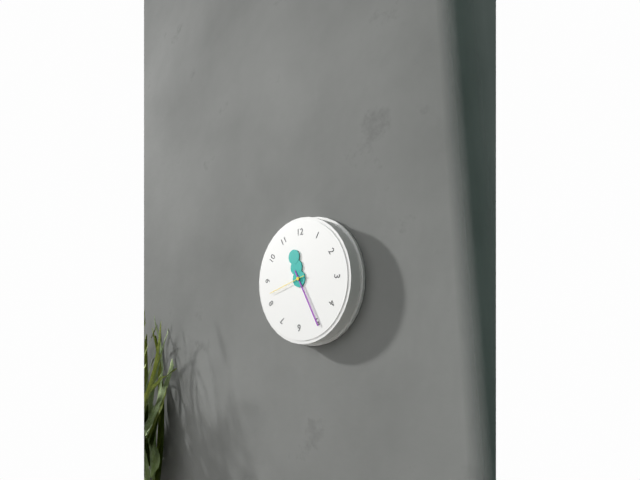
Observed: 11 h 25 min 42 s
